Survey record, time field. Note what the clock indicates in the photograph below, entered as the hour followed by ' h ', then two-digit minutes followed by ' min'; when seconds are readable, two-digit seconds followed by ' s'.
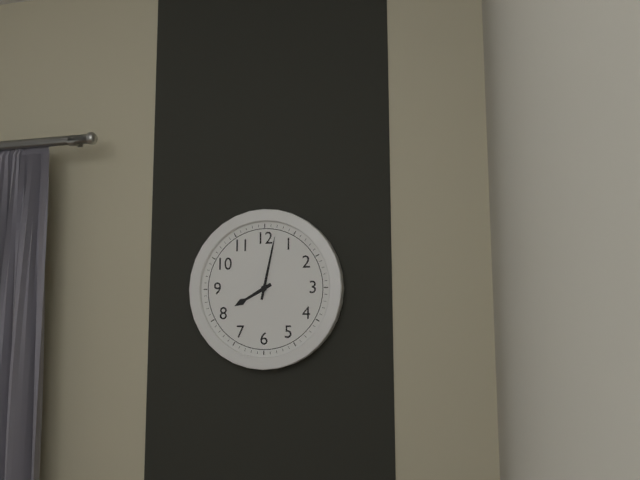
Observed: 8 h 02 min
